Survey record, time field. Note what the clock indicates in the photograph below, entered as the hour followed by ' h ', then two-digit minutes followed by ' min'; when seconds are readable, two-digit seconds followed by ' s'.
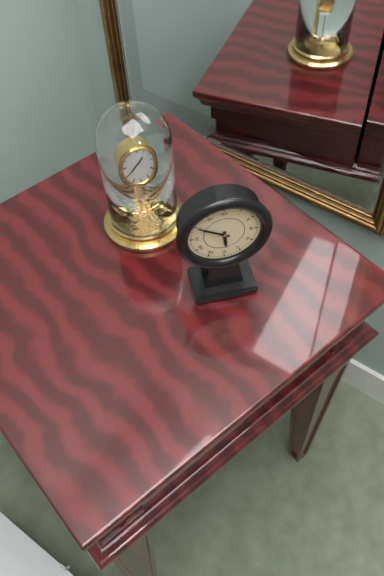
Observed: 5 h 50 min
